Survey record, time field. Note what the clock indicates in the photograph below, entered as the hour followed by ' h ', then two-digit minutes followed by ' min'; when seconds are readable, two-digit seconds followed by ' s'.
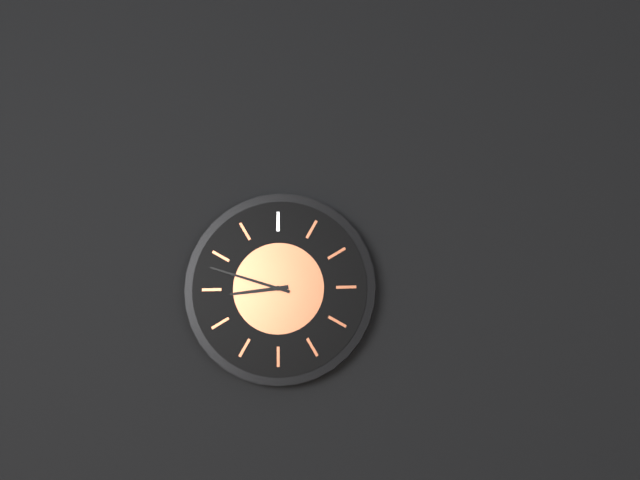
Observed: 8 h 48 min
